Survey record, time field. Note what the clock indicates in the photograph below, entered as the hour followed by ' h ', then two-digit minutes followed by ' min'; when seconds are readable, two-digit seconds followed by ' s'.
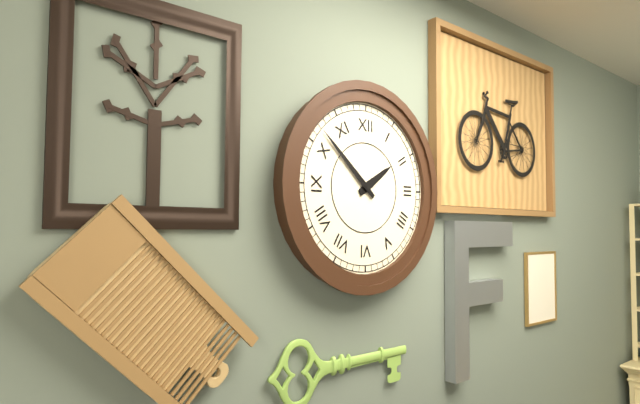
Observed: 1 h 52 min
